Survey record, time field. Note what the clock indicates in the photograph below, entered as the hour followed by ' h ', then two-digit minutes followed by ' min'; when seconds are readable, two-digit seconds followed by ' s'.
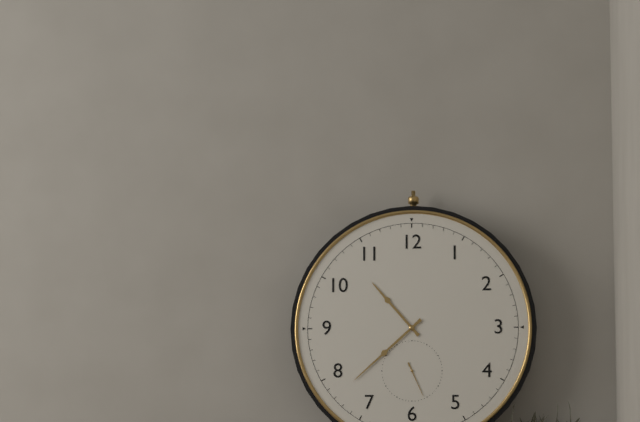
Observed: 10 h 38 min
